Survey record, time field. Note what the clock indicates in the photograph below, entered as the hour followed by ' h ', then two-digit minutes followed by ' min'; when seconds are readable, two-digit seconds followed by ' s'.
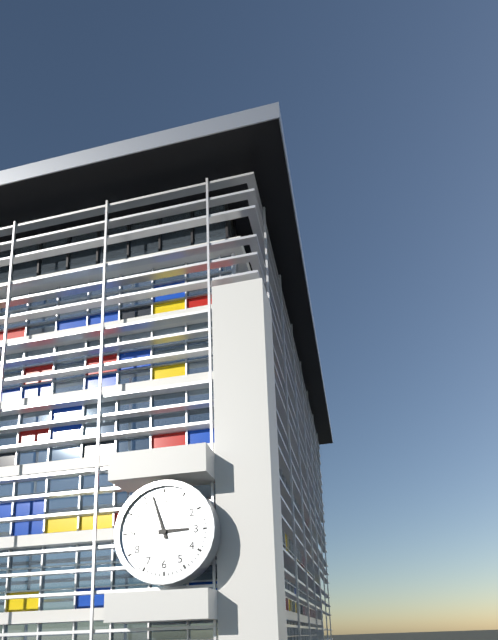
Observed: 2 h 57 min
